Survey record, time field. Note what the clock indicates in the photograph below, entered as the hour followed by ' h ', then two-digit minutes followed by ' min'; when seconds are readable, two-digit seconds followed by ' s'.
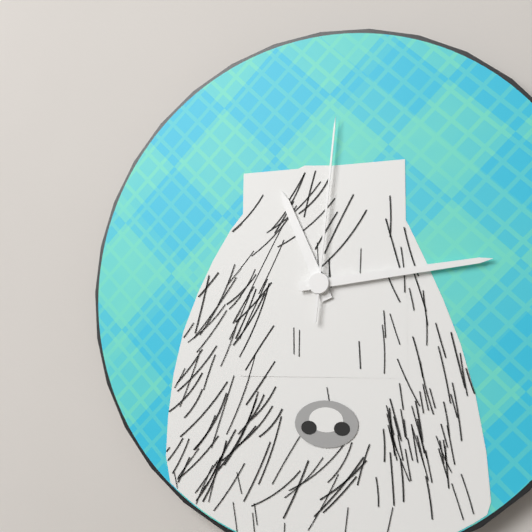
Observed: 11 h 14 min 01 s
